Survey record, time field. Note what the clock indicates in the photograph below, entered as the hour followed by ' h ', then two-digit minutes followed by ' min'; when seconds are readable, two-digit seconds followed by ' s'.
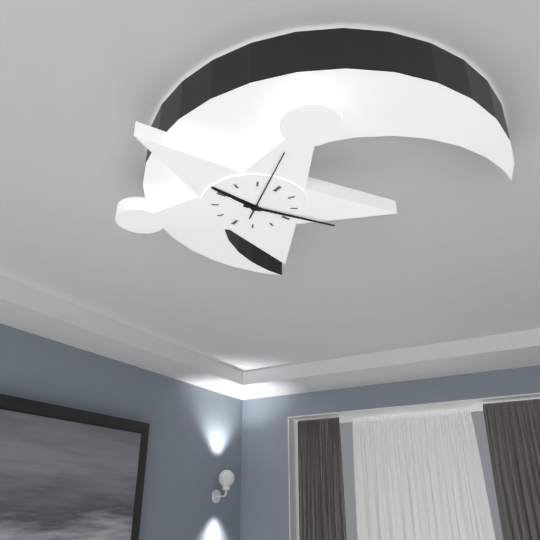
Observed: 9 h 13 min 57 s
